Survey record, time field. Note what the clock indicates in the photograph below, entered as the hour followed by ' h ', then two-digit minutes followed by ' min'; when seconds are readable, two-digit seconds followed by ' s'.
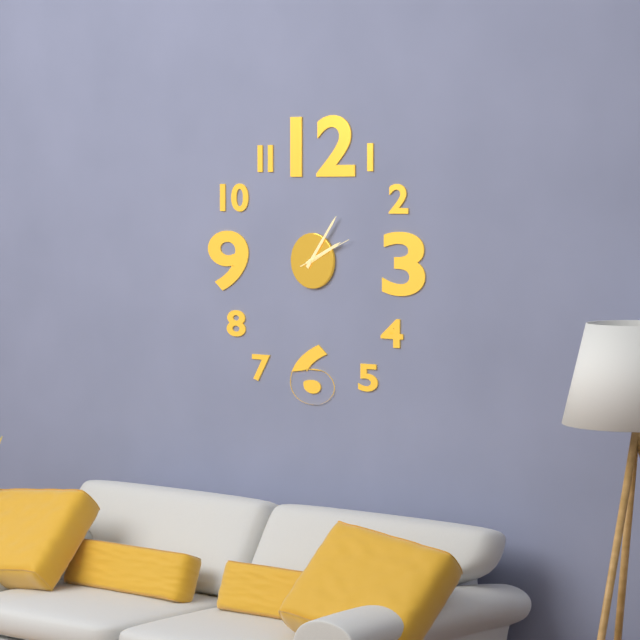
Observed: 2 h 06 min 11 s
